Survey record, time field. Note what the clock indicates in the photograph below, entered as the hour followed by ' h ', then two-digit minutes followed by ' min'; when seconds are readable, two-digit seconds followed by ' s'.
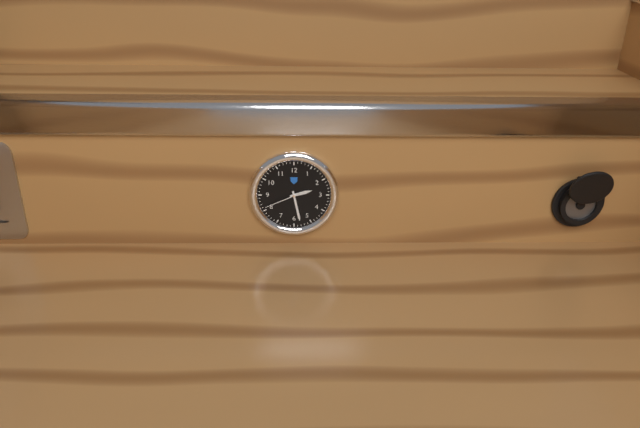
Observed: 2 h 28 min
